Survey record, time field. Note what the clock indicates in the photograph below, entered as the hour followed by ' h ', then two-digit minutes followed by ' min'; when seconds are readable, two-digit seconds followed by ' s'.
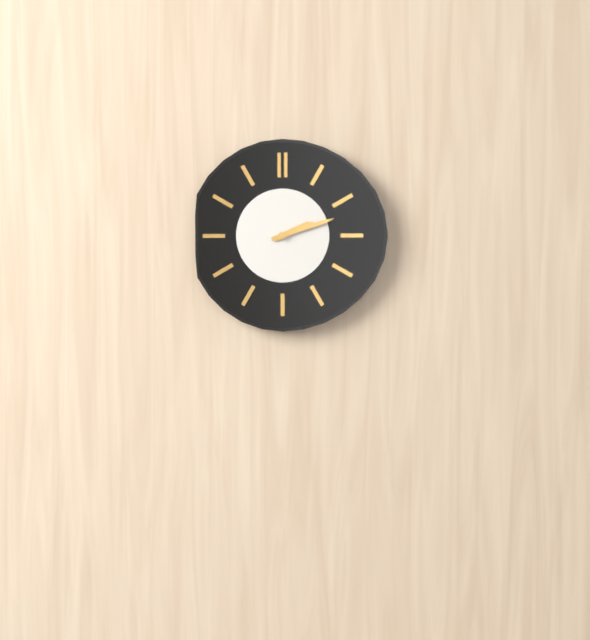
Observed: 2 h 12 min
